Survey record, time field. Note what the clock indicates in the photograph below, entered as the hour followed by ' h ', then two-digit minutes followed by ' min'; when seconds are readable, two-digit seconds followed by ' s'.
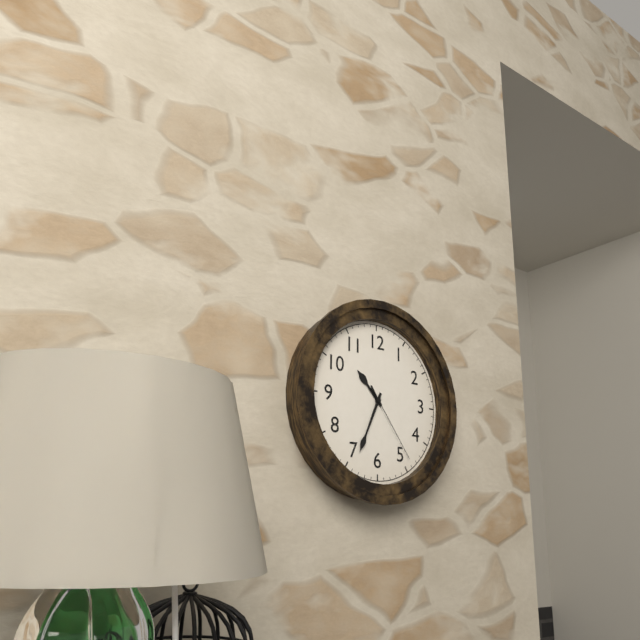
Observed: 10 h 34 min 24 s
